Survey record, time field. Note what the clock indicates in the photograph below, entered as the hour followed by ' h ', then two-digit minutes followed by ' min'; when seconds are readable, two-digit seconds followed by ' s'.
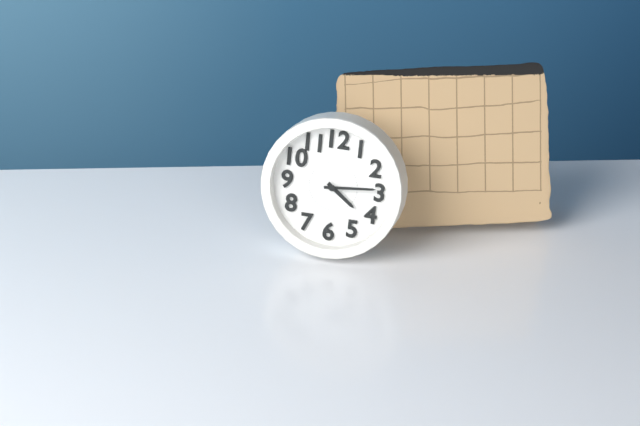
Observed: 4 h 14 min
